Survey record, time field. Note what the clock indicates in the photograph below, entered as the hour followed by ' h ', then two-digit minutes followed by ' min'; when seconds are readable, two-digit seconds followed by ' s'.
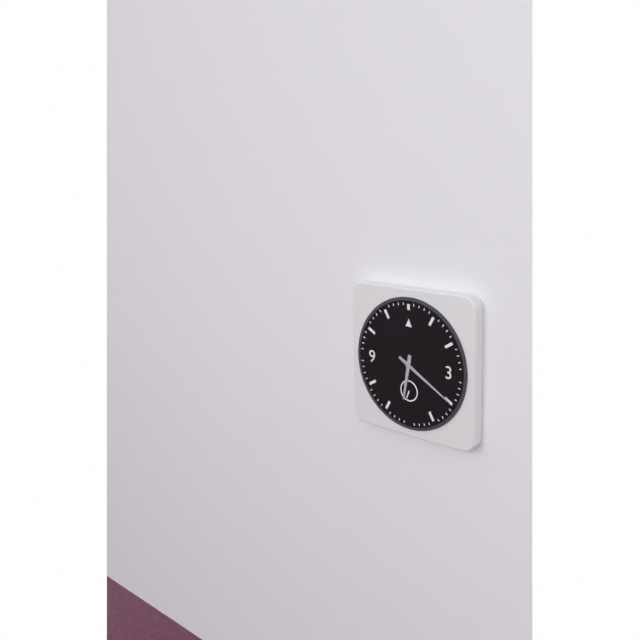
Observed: 6 h 20 min
